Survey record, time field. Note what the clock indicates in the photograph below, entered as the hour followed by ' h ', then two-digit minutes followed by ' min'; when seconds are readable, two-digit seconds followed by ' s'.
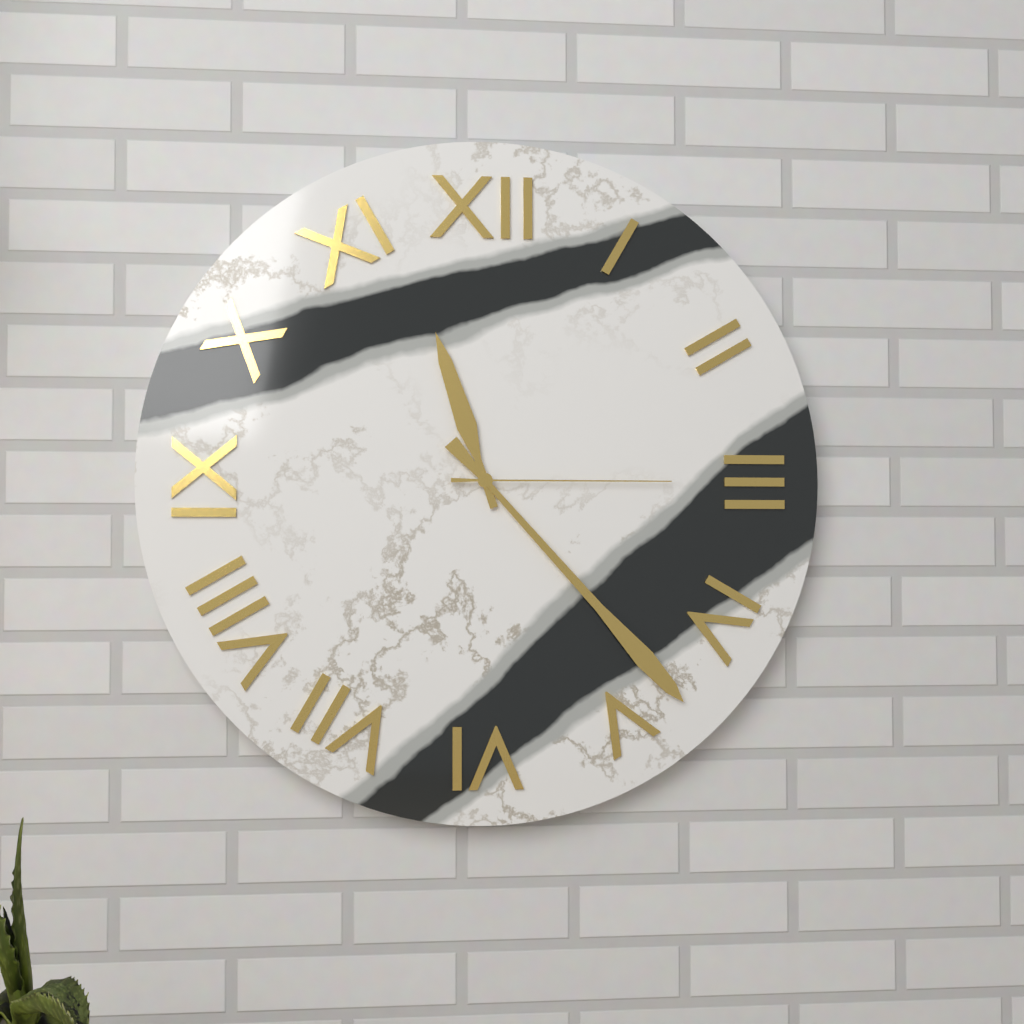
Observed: 11 h 23 min 15 s
